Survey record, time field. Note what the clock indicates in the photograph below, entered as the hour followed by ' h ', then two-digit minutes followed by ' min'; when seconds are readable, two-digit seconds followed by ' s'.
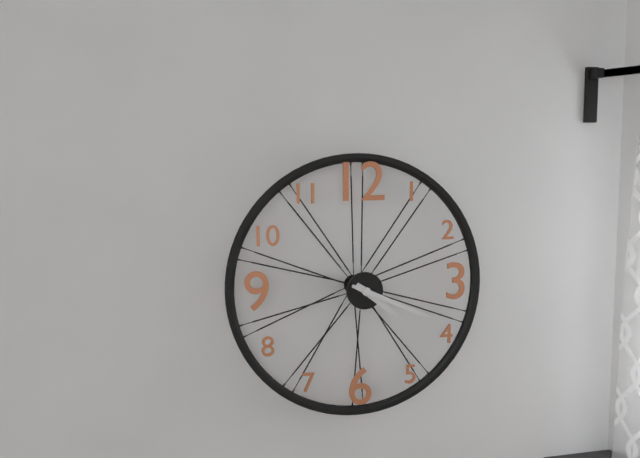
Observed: 4 h 19 min
